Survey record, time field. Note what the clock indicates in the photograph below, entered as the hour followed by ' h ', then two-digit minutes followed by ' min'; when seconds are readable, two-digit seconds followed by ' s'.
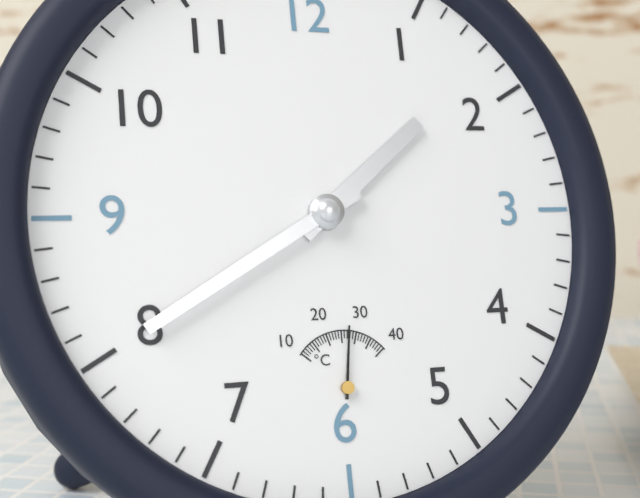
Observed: 1 h 40 min
